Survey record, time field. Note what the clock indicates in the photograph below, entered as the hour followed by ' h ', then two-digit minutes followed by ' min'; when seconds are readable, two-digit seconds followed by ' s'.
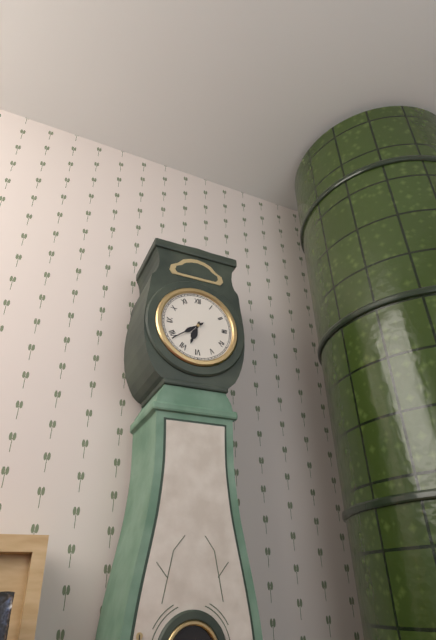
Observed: 6 h 39 min
